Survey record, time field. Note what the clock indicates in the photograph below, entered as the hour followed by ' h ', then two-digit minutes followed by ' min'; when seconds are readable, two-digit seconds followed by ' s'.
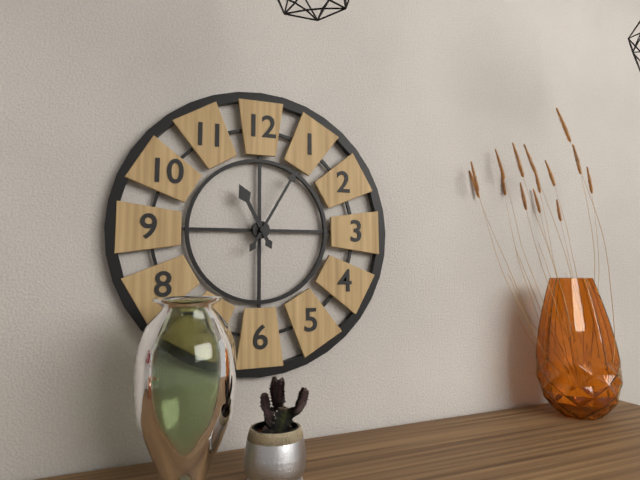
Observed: 11 h 05 min
